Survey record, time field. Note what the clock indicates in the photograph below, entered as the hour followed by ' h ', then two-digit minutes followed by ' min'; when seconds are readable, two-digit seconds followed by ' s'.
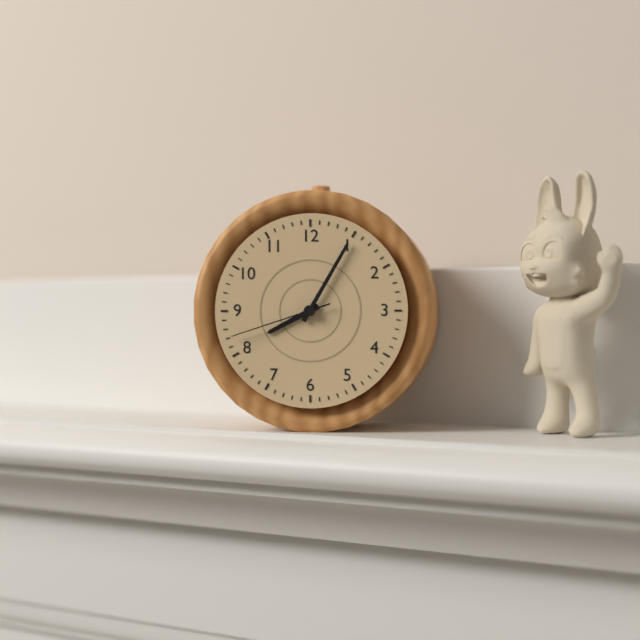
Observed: 8 h 05 min 42 s
